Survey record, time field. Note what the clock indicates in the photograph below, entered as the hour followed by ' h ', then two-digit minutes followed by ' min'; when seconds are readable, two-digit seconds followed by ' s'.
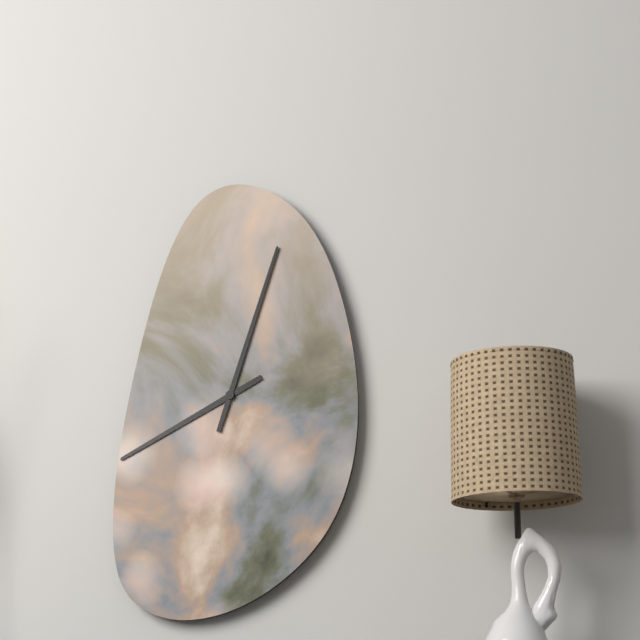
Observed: 8 h 03 min
